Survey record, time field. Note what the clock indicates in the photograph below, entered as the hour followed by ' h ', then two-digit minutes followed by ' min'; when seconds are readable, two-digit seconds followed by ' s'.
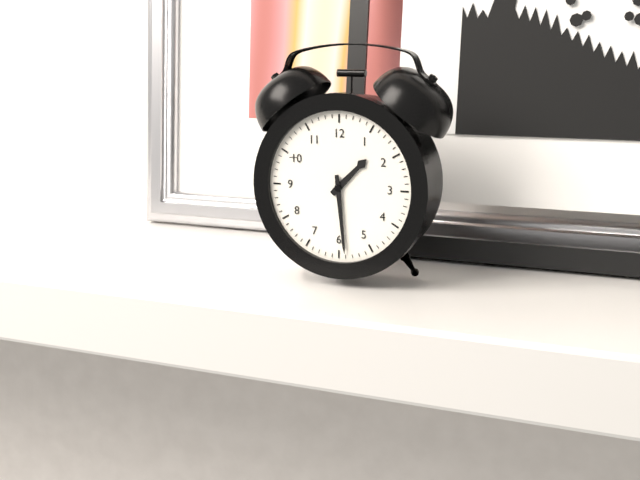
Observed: 1 h 29 min
